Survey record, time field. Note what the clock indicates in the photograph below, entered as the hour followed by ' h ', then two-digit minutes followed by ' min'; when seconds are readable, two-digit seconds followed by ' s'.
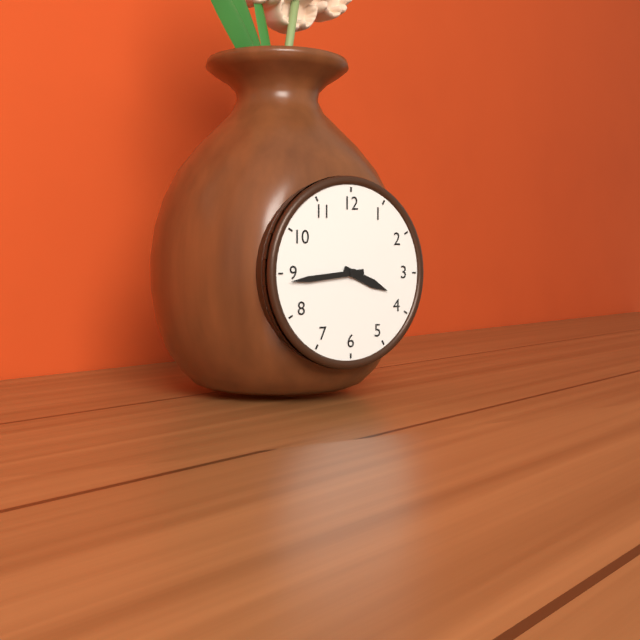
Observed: 3 h 44 min
